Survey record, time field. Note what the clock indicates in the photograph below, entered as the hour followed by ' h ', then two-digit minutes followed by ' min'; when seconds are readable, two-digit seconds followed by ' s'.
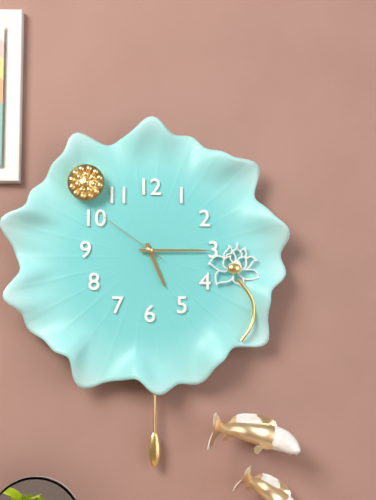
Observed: 5 h 15 min 51 s
